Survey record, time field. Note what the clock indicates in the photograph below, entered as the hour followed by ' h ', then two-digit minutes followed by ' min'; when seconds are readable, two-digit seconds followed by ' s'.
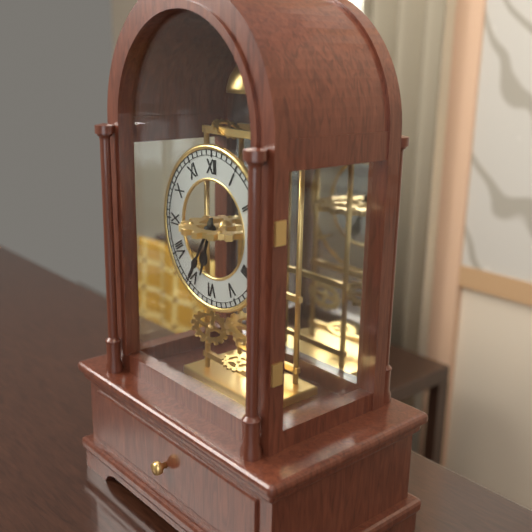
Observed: 6 h 35 min
